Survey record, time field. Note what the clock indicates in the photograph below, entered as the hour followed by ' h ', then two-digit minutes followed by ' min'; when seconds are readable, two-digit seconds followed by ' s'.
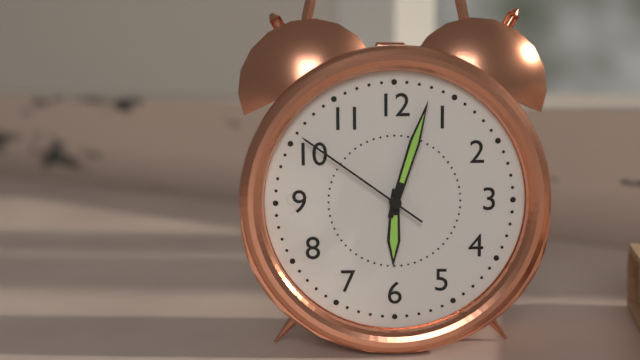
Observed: 6 h 03 min 51 s
